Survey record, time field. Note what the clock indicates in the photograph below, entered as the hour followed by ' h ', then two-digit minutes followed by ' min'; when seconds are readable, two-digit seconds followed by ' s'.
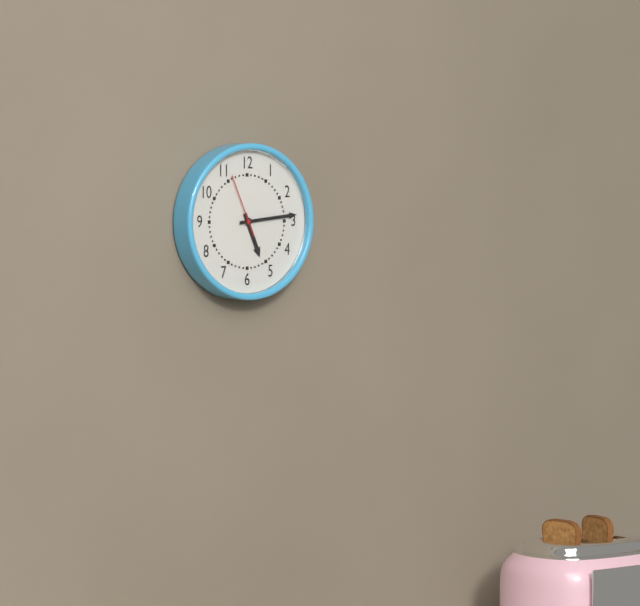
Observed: 5 h 14 min 56 s
